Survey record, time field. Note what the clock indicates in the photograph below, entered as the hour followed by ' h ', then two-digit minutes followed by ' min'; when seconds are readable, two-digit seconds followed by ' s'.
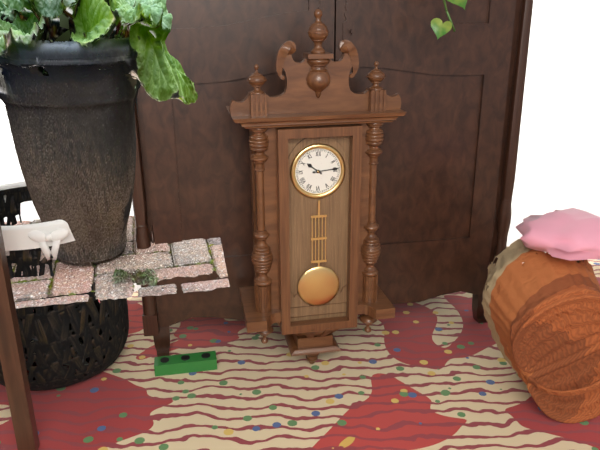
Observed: 10 h 14 min
